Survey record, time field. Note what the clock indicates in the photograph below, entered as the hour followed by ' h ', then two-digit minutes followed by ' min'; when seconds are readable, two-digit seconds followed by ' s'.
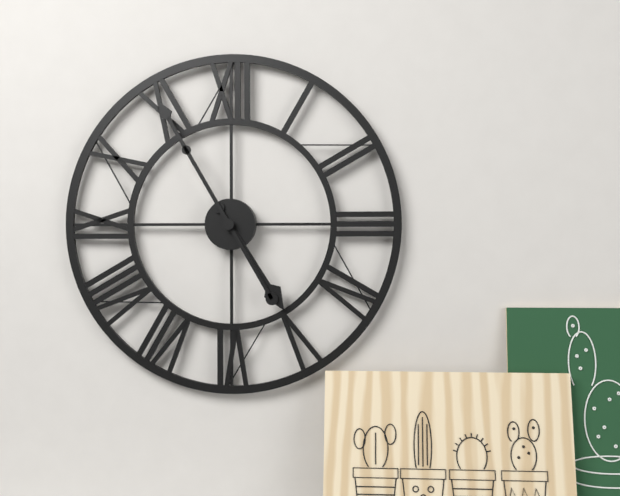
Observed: 4 h 55 min
